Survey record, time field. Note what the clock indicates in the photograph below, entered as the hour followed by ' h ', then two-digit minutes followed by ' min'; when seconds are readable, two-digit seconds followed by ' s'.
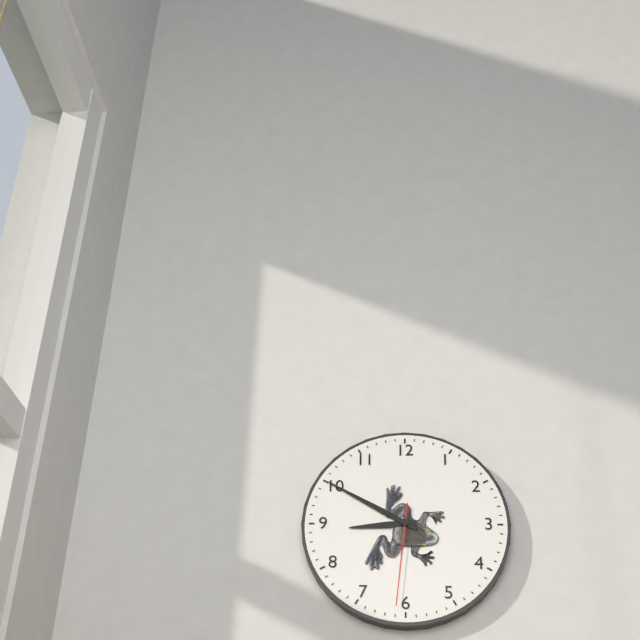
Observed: 8 h 50 min 31 s
